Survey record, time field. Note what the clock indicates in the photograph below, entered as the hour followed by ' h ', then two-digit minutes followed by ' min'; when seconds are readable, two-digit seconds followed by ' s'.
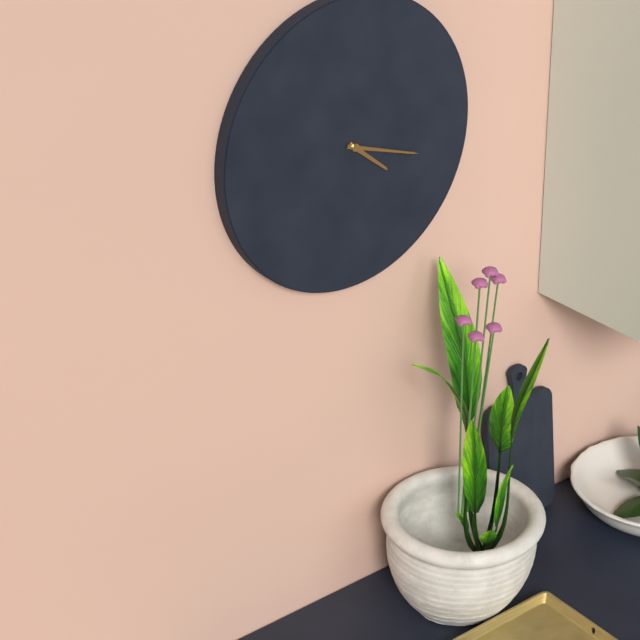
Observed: 4 h 18 min
